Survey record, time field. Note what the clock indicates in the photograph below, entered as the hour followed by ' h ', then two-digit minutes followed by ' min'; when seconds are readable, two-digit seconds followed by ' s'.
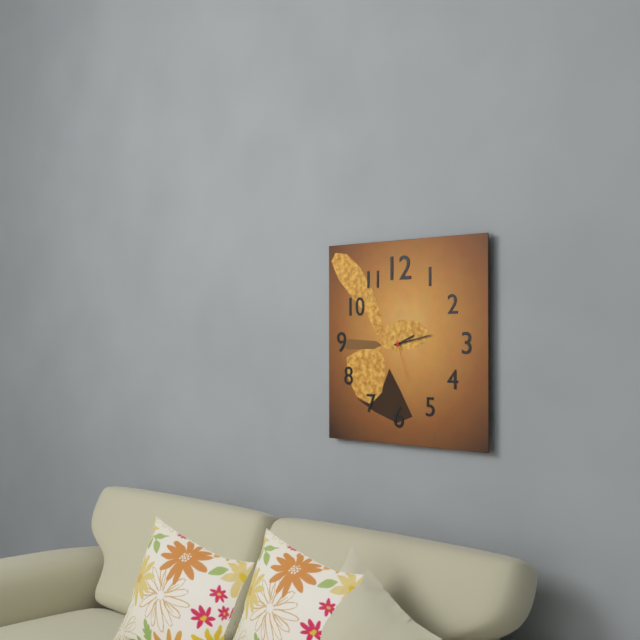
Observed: 2 h 13 min
